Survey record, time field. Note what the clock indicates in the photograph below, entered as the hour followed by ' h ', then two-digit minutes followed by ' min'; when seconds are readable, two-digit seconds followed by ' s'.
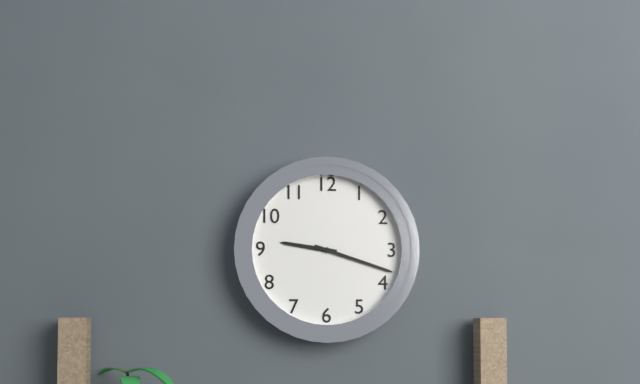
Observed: 9 h 18 min
